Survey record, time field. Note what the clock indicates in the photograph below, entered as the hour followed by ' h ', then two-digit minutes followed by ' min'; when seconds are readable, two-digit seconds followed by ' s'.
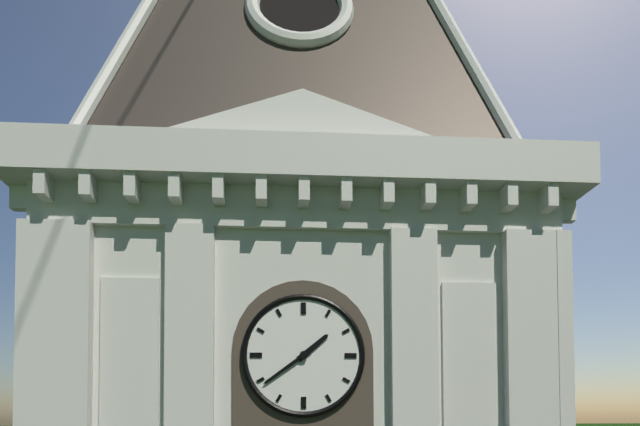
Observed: 1 h 39 min
